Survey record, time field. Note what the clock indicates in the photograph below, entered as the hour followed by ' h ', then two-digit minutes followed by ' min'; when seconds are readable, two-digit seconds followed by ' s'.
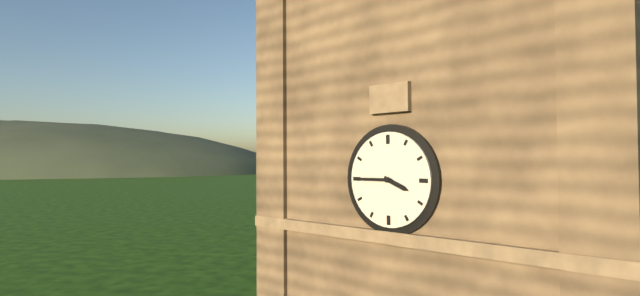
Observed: 3 h 45 min
